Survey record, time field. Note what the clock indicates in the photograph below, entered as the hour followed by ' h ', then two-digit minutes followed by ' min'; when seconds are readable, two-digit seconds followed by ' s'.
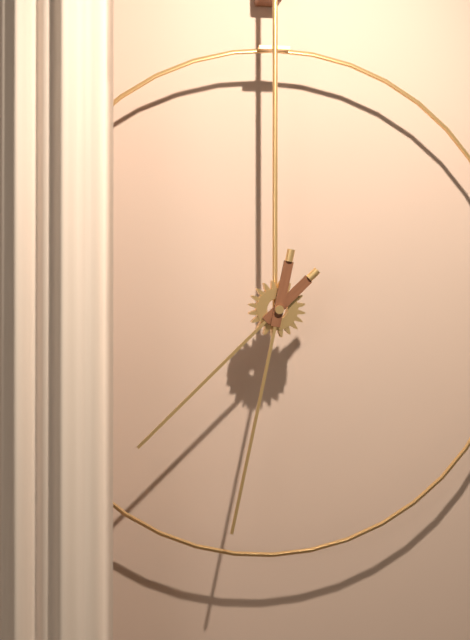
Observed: 7 h 32 min
